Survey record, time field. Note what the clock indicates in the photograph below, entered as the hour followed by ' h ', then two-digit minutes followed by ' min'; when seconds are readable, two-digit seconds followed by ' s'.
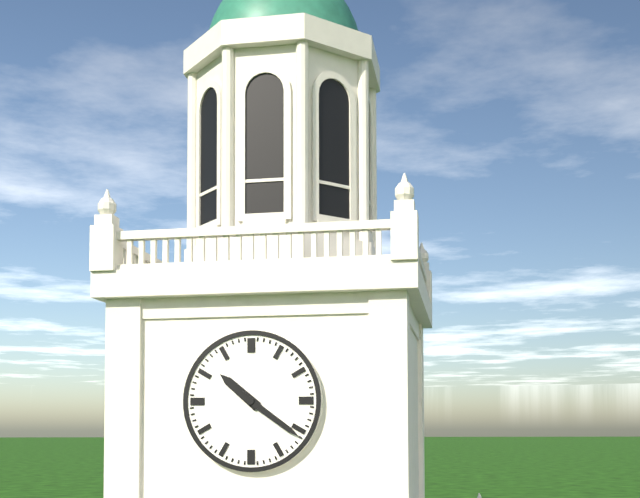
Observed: 10 h 21 min
